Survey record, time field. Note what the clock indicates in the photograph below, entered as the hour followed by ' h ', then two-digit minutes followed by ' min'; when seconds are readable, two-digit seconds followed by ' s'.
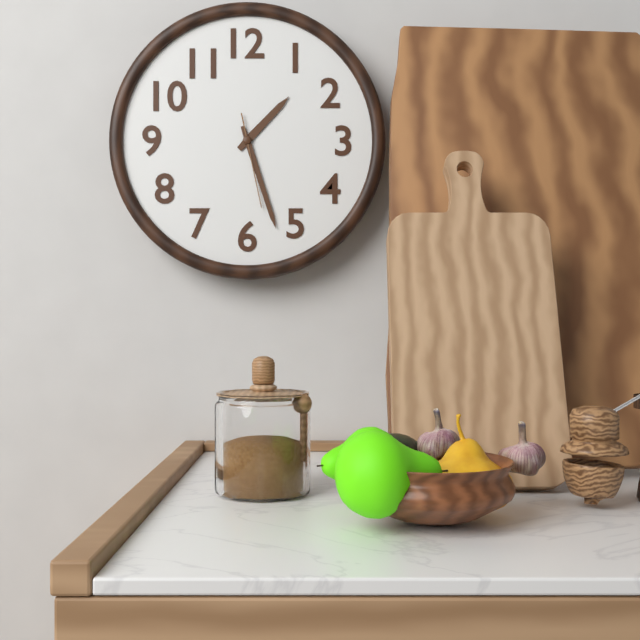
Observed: 1 h 27 min 28 s
